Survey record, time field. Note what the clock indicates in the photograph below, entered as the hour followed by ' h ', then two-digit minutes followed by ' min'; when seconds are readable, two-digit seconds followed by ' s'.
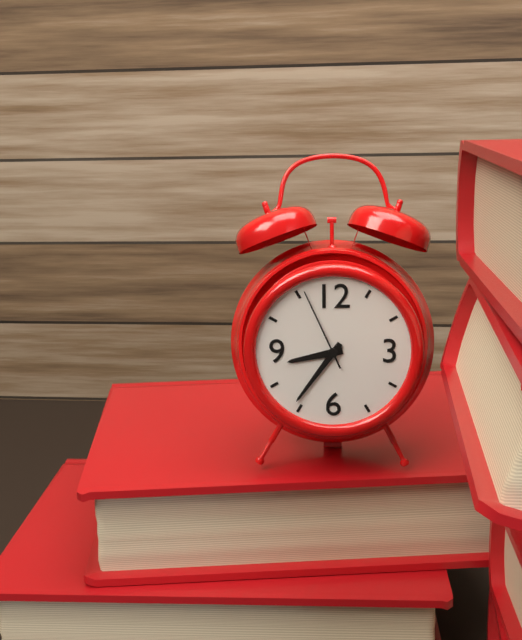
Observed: 8 h 36 min 56 s
